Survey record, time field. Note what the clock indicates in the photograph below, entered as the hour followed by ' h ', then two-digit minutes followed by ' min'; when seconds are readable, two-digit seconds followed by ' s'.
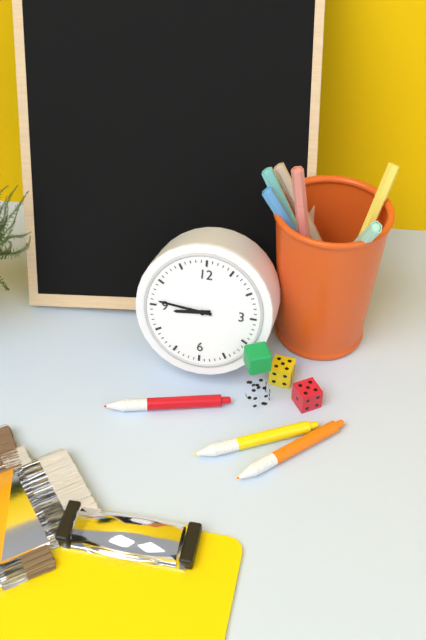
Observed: 8 h 46 min
